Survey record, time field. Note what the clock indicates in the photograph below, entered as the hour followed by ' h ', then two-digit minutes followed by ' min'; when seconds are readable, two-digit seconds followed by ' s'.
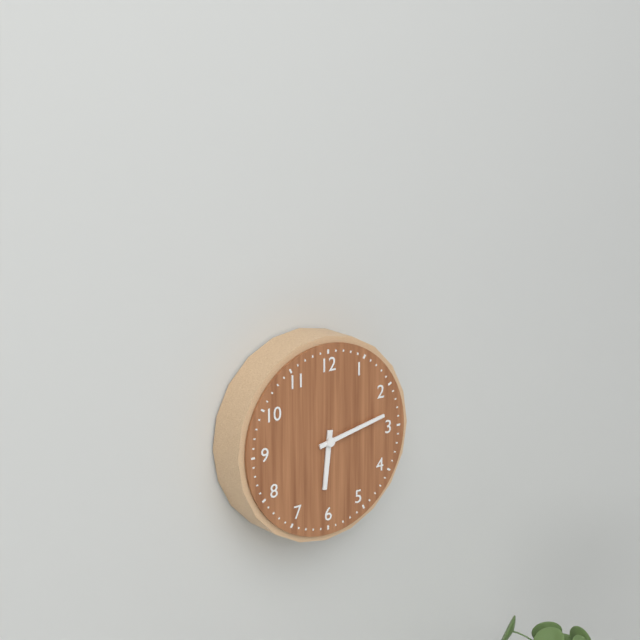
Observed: 6 h 13 min
